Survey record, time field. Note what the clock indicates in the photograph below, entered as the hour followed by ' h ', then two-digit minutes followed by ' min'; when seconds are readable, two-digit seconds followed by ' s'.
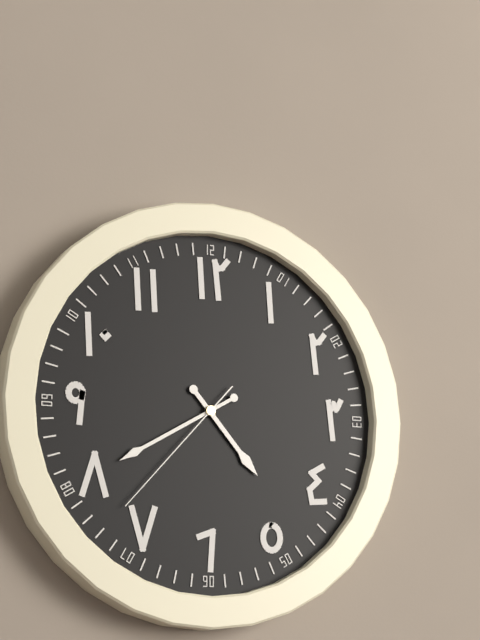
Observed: 4 h 40 min 37 s
